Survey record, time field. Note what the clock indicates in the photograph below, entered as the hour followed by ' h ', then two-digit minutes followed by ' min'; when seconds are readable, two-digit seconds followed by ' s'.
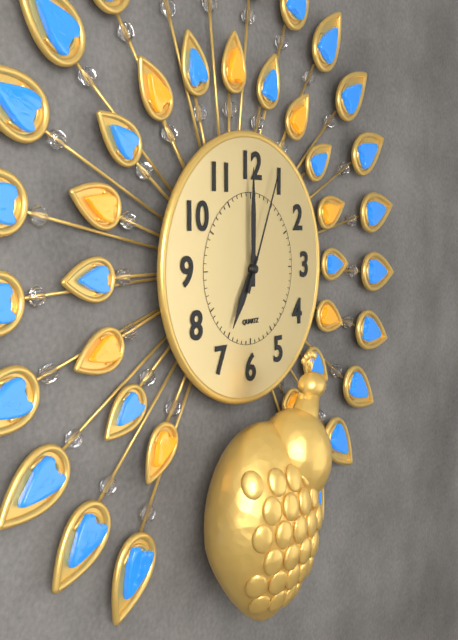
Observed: 7 h 00 min 04 s
